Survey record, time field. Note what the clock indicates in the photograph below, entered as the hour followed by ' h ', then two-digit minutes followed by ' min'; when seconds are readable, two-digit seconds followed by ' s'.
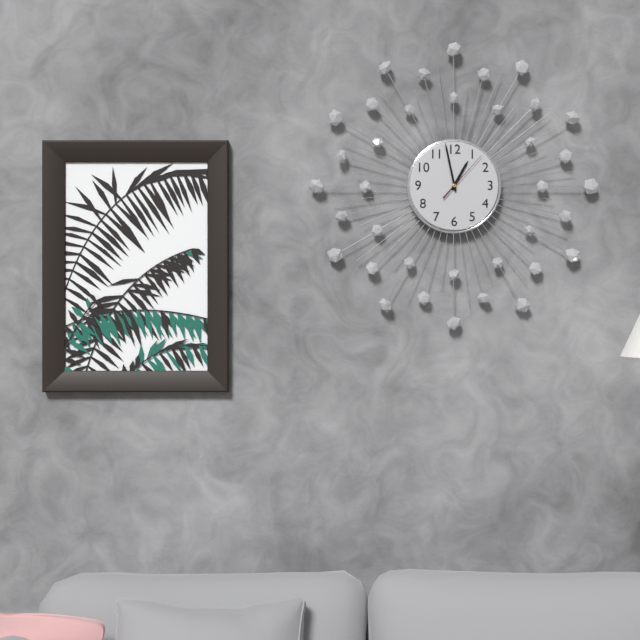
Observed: 12 h 58 min 07 s
